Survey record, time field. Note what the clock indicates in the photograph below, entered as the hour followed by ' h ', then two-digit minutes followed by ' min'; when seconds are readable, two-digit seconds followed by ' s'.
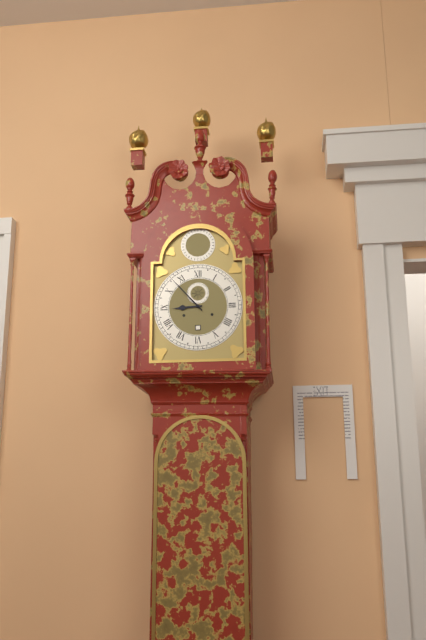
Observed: 8 h 53 min
